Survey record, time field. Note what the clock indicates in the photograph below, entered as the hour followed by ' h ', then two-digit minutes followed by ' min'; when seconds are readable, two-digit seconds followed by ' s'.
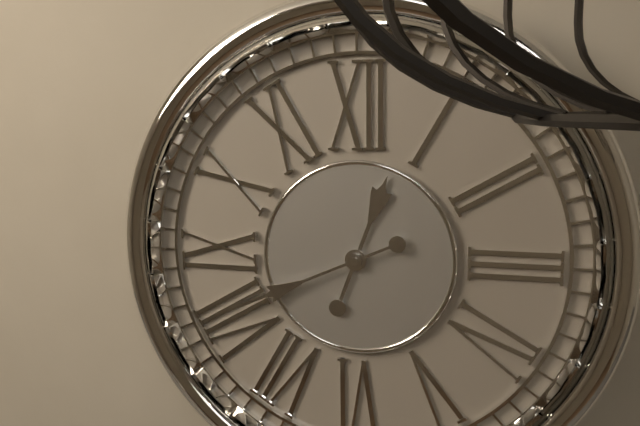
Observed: 12 h 41 min
